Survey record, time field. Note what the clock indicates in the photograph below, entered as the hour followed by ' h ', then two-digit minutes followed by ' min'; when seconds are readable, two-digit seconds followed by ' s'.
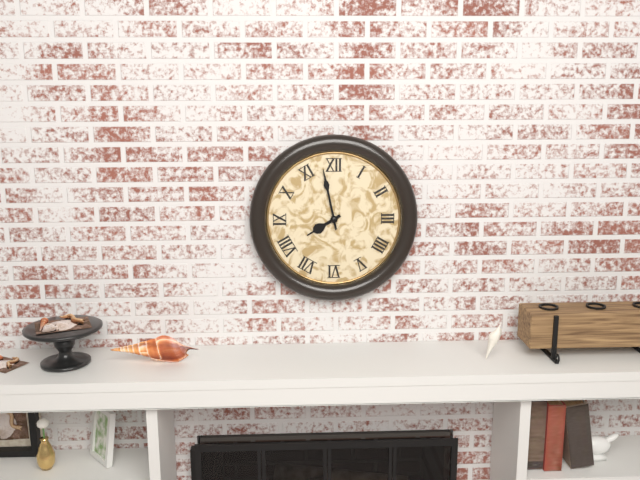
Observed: 7 h 58 min
